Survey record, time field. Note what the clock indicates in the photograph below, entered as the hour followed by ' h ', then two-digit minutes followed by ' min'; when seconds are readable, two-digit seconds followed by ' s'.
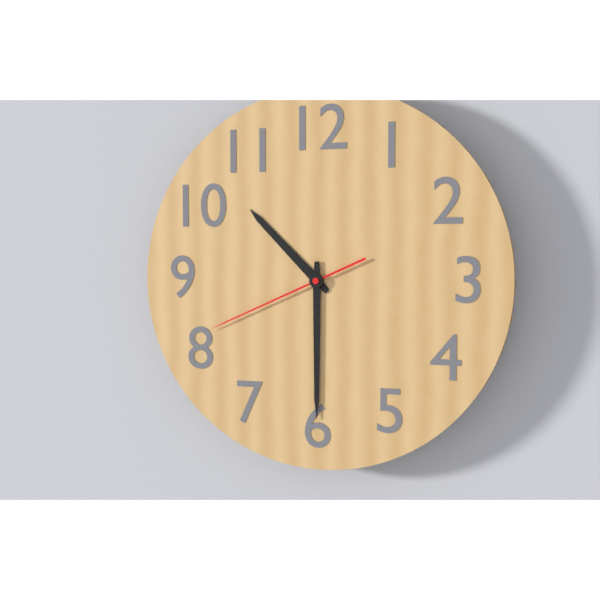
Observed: 10 h 30 min 41 s
